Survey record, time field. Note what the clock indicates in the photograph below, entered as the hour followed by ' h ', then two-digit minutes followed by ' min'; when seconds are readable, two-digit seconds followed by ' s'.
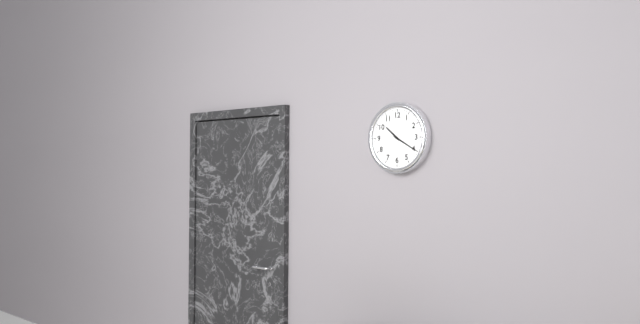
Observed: 10 h 20 min
